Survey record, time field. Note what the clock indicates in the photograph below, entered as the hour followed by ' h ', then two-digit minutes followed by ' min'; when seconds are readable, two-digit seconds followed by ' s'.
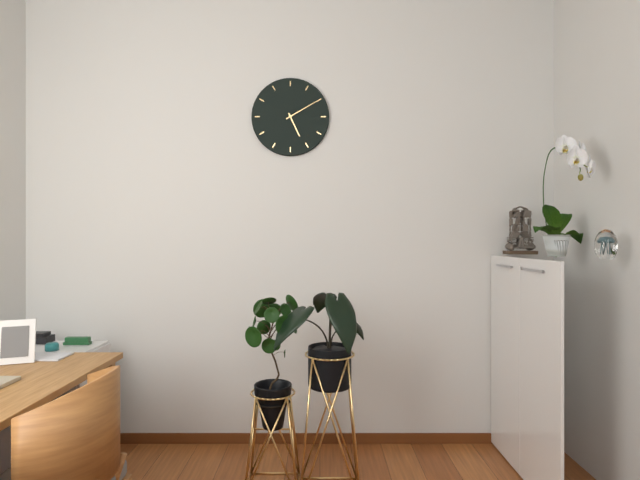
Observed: 5 h 10 min
